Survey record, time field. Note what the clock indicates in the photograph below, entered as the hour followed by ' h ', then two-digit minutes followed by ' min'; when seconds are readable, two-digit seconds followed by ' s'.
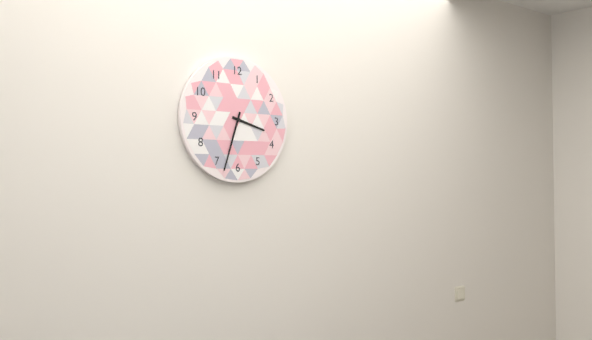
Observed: 3 h 33 min
